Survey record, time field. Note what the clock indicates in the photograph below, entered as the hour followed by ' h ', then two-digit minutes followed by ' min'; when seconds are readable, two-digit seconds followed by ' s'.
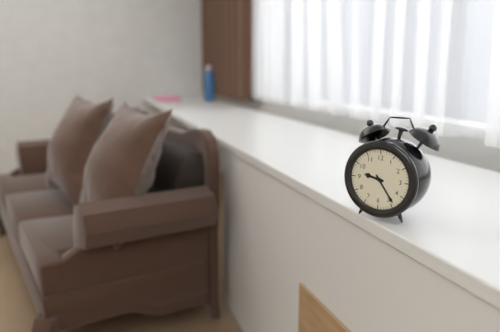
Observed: 9 h 24 min
